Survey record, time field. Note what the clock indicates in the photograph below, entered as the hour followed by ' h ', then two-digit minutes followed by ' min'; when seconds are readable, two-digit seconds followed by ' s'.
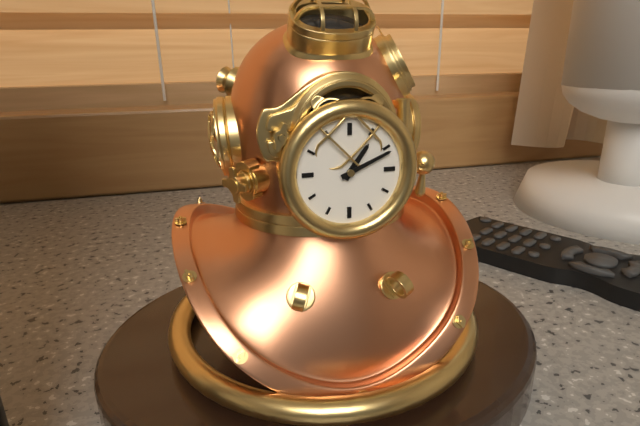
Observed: 1 h 11 min
